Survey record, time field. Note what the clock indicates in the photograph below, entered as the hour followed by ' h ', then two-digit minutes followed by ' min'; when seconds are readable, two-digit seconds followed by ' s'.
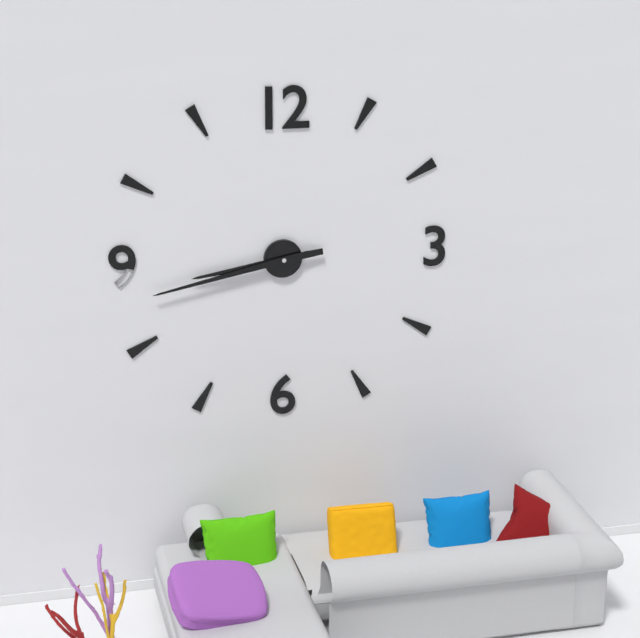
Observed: 8 h 43 min
